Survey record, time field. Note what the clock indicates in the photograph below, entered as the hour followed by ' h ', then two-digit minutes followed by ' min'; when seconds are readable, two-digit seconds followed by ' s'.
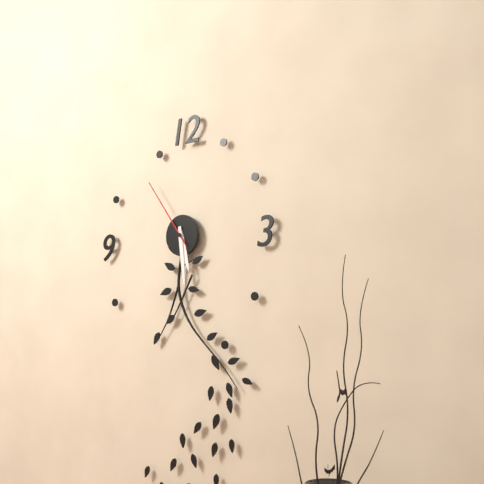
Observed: 5 h 29 min 54 s
